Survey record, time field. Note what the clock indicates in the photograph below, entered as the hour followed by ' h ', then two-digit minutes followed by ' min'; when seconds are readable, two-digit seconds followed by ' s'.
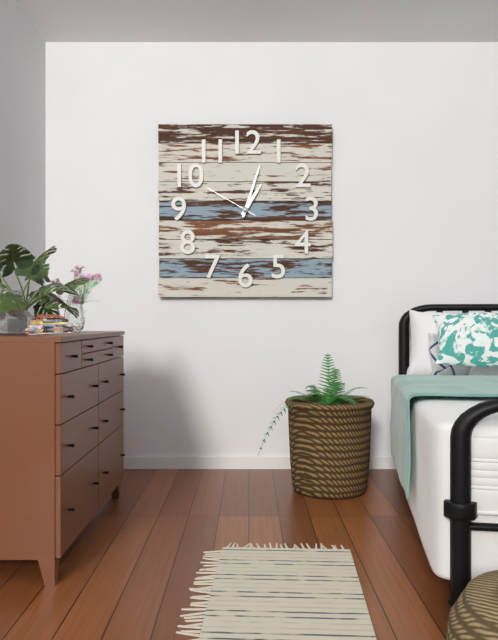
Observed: 1 h 03 min 50 s
